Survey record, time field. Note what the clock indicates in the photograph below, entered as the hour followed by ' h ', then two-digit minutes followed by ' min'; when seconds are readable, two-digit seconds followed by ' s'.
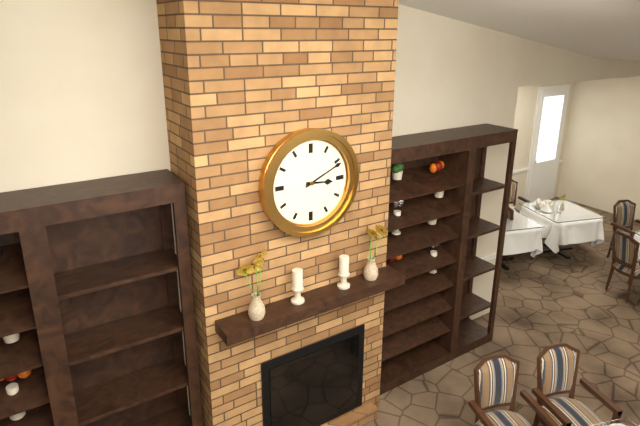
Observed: 3 h 11 min
